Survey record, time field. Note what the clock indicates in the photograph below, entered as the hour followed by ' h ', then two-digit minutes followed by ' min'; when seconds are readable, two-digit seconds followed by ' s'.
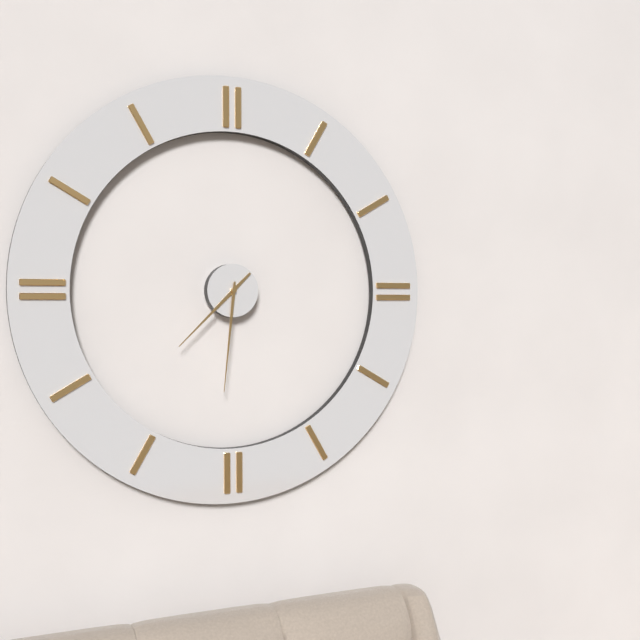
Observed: 7 h 31 min
